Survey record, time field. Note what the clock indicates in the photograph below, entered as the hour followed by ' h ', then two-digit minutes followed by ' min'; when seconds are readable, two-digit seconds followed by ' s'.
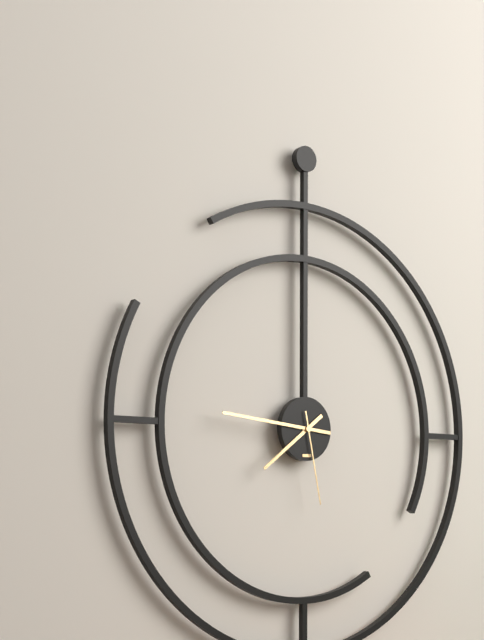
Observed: 7 h 46 min 28 s
